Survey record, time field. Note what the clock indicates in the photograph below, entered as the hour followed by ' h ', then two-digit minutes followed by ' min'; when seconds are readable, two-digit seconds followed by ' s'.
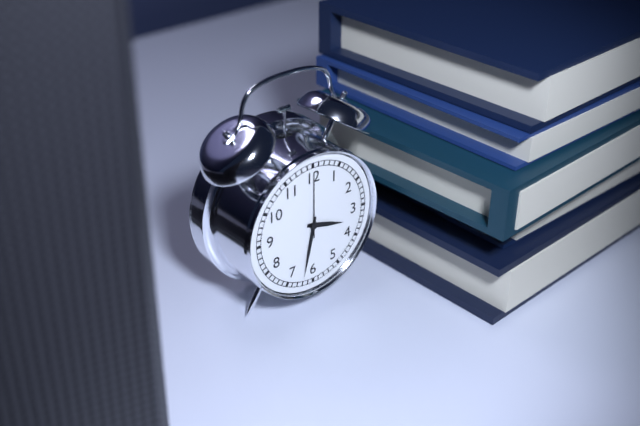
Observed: 3 h 32 min 00 s
